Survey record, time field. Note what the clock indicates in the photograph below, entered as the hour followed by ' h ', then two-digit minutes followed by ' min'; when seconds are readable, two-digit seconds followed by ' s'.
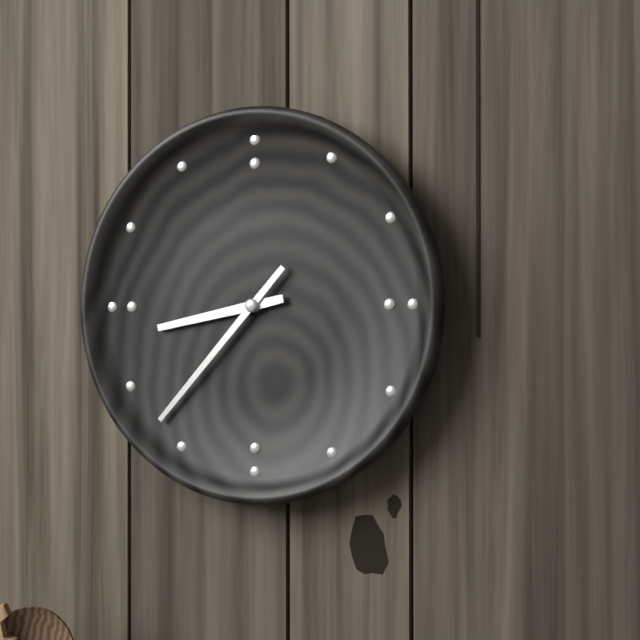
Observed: 8 h 37 min
